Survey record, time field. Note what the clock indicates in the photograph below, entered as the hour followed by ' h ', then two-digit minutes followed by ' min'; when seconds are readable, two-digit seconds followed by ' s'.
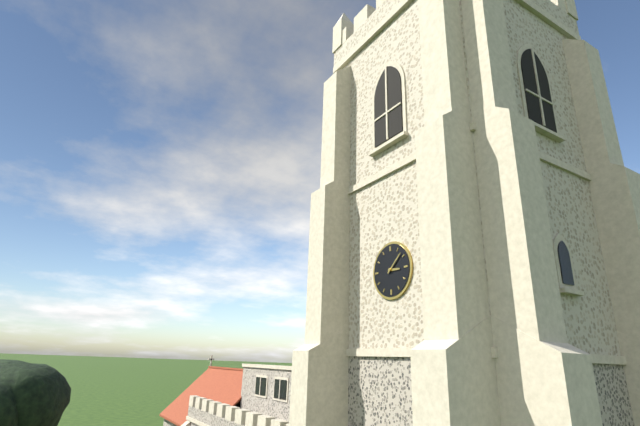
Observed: 3 h 08 min
